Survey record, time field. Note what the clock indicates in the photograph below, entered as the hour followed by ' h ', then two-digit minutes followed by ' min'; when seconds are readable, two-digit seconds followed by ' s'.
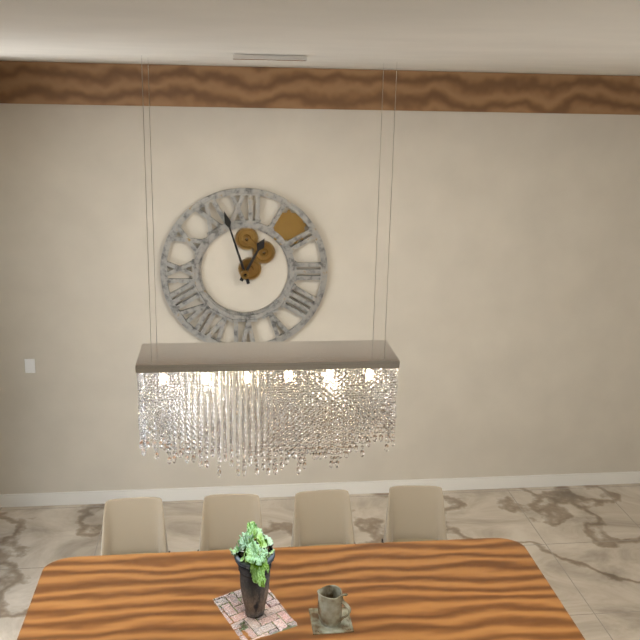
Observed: 12 h 57 min
